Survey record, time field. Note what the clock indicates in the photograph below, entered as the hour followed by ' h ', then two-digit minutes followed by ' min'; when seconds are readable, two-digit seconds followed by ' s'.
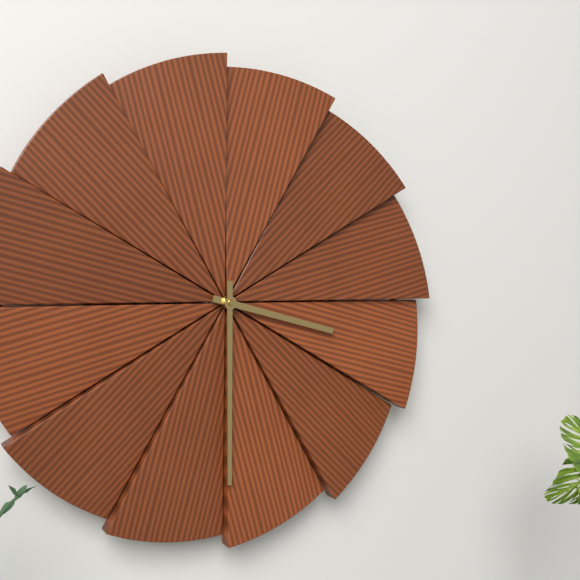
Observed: 3 h 30 min
